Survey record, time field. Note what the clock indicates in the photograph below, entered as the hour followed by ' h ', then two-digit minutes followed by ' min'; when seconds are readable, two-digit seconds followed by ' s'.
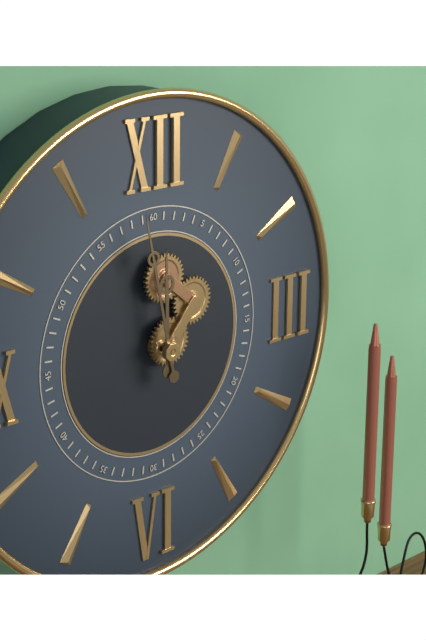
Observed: 11 h 58 min
